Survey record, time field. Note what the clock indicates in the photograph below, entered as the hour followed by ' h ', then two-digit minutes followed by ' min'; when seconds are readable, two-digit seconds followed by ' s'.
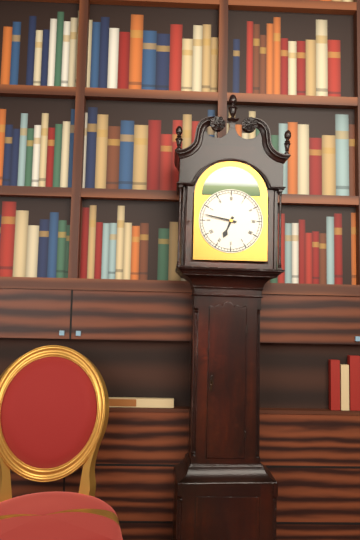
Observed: 6 h 47 min
